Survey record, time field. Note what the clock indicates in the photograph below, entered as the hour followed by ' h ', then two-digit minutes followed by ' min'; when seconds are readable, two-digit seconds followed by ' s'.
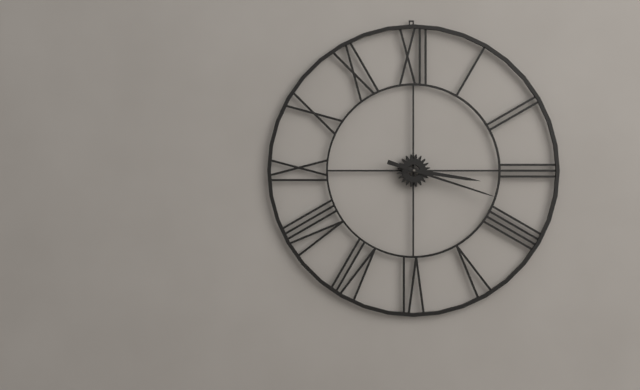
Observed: 3 h 18 min
